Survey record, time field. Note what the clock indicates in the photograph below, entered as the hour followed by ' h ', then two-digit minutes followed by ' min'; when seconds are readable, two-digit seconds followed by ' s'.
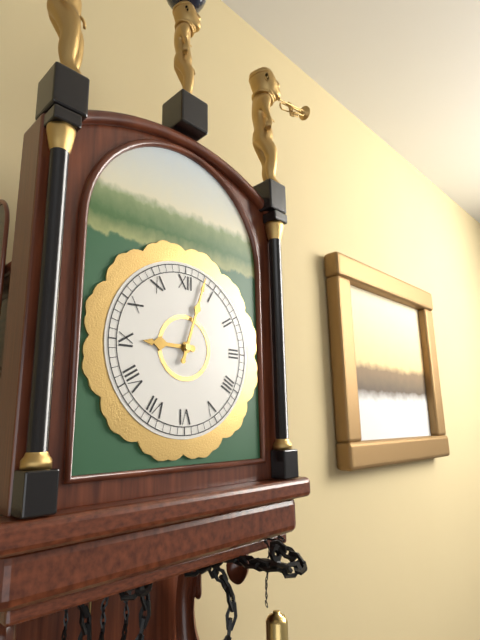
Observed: 9 h 03 min
